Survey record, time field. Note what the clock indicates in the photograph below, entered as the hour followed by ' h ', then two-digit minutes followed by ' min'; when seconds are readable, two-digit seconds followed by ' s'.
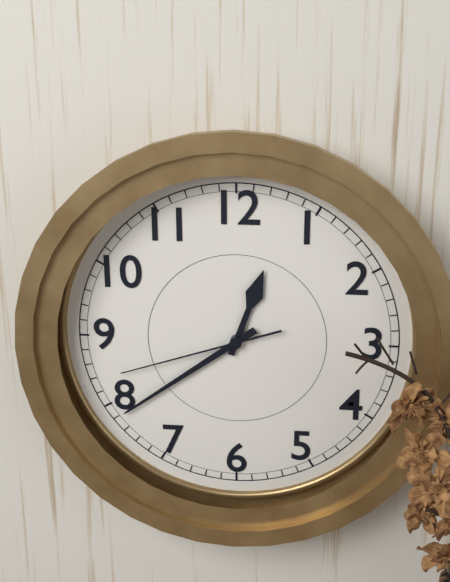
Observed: 12 h 39 min 42 s
